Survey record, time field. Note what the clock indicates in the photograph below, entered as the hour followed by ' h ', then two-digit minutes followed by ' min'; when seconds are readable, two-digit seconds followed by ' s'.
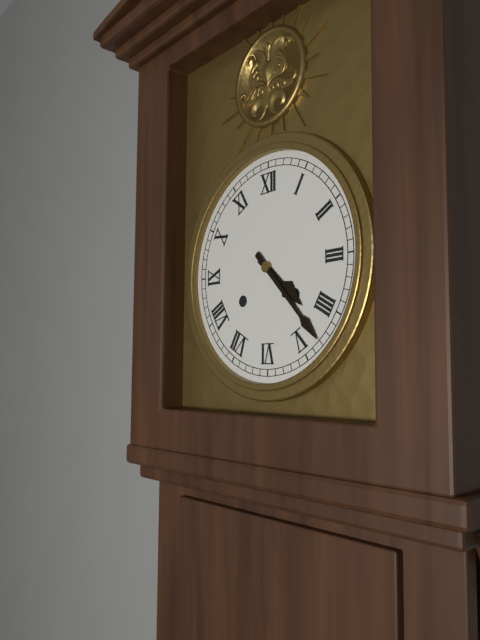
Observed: 4 h 23 min
